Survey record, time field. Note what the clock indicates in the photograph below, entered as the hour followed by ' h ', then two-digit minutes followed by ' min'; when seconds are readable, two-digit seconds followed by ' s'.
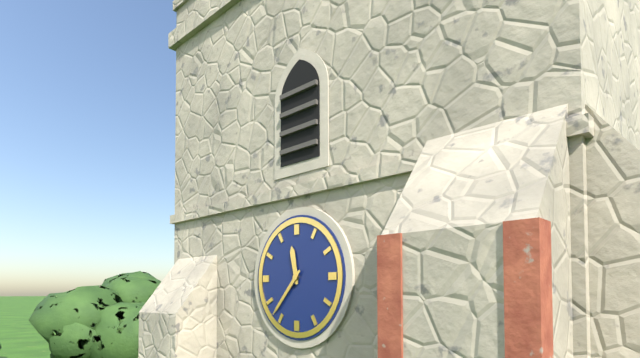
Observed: 11 h 37 min
